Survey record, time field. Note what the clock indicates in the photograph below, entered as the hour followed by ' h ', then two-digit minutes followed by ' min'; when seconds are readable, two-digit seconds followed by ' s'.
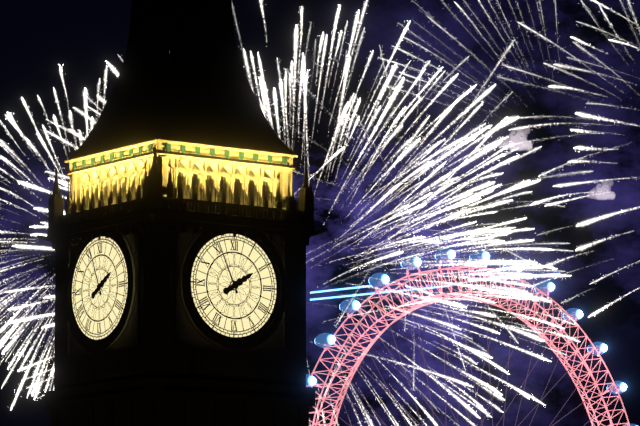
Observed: 1 h 56 min
